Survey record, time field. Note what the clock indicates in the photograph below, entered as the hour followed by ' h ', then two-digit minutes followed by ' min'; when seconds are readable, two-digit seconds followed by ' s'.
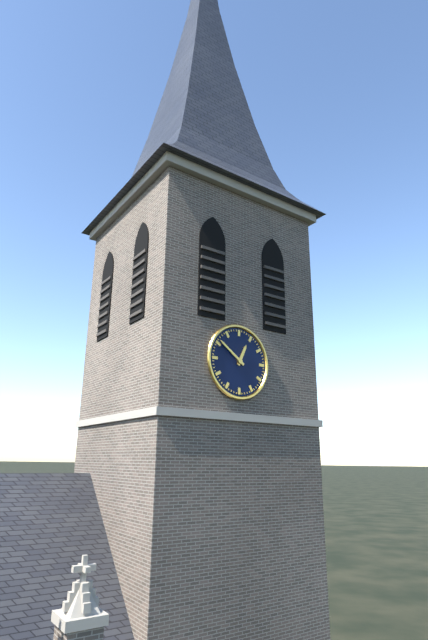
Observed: 12 h 51 min
